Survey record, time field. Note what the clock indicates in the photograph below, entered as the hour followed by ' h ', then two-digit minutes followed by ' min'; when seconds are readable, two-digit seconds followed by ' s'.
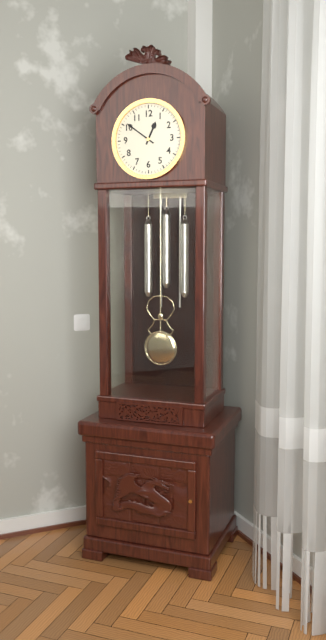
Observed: 12 h 51 min
